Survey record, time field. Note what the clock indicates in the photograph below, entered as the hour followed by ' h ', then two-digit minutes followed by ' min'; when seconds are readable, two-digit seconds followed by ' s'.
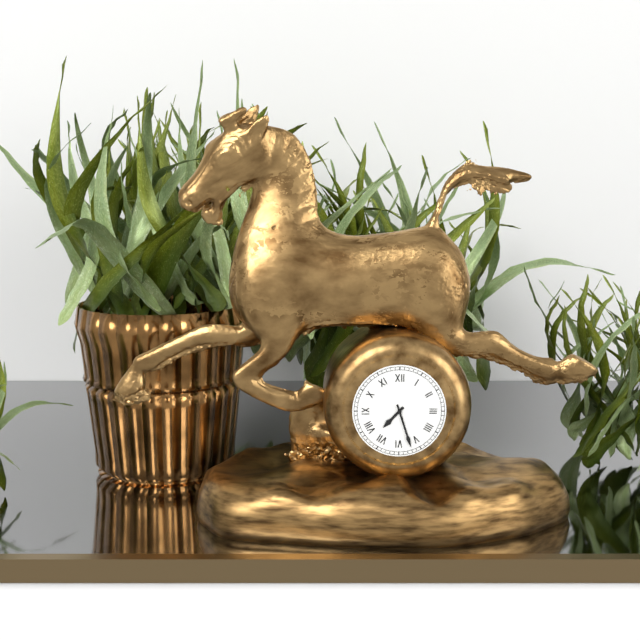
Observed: 7 h 27 min
